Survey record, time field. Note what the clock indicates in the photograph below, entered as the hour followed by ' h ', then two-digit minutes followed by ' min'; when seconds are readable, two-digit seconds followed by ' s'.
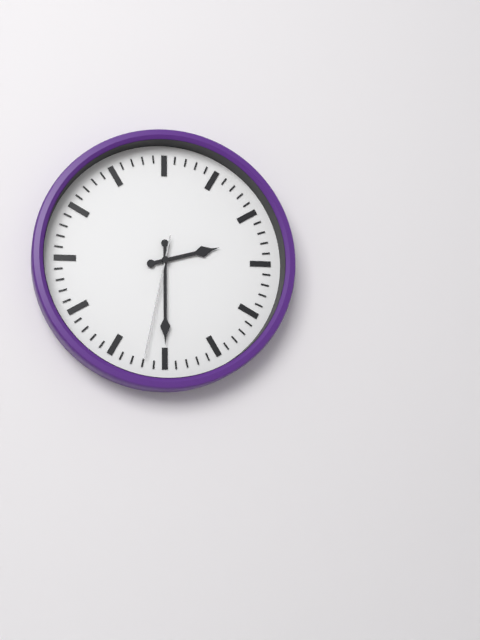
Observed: 2 h 30 min 32 s
